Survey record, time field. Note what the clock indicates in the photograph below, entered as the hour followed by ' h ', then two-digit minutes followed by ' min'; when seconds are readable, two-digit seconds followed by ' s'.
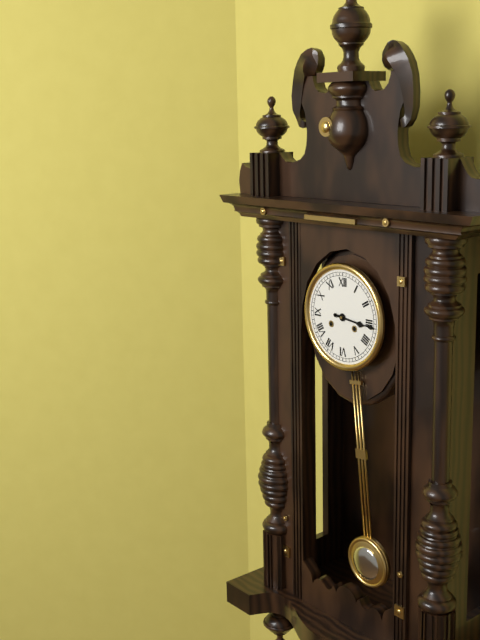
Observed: 3 h 16 min
